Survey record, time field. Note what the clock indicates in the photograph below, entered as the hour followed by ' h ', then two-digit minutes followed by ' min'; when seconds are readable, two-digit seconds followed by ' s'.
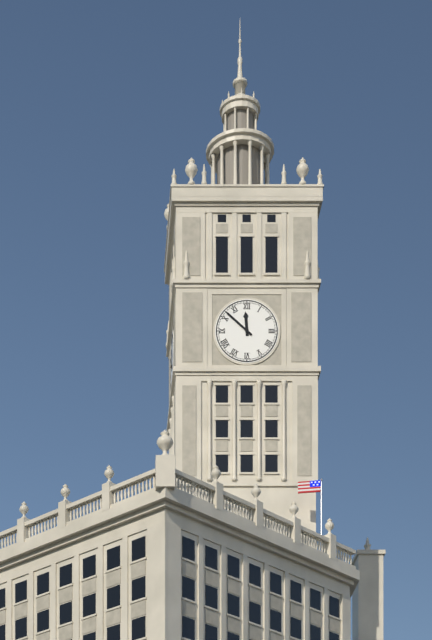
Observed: 11 h 52 min
